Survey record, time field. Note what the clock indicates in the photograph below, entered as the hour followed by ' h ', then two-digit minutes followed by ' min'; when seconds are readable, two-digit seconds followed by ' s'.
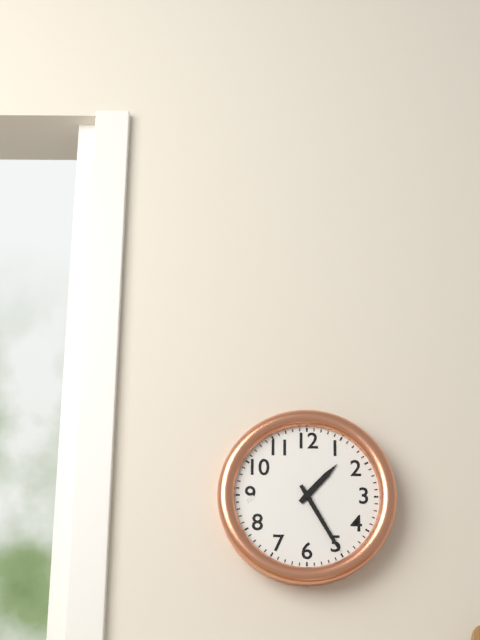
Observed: 1 h 25 min
